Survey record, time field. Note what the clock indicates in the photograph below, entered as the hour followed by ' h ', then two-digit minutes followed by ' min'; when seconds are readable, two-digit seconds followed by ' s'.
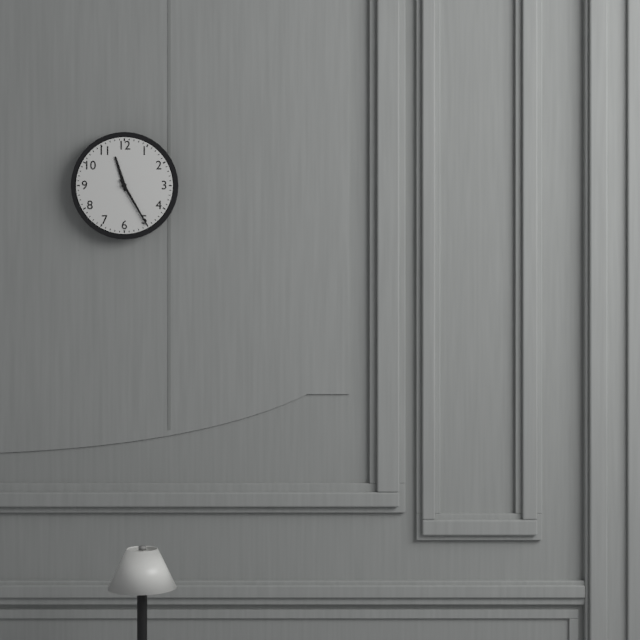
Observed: 11 h 25 min
